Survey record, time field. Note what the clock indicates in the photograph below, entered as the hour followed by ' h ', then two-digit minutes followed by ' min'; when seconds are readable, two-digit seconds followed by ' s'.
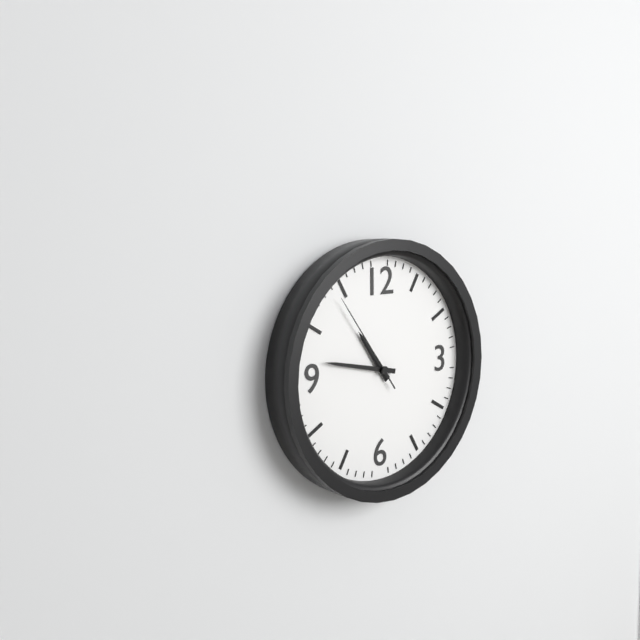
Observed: 10 h 47 min 54 s
